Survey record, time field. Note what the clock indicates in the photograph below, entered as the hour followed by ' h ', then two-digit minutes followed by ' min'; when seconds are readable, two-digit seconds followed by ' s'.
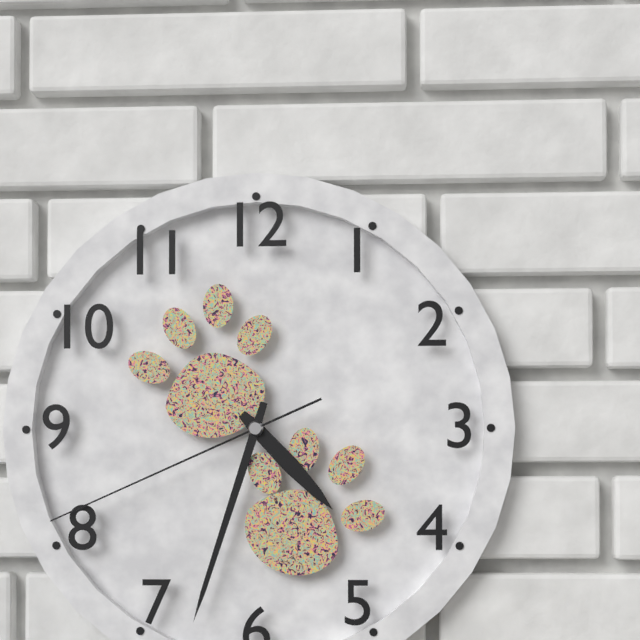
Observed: 4 h 33 min 41 s
